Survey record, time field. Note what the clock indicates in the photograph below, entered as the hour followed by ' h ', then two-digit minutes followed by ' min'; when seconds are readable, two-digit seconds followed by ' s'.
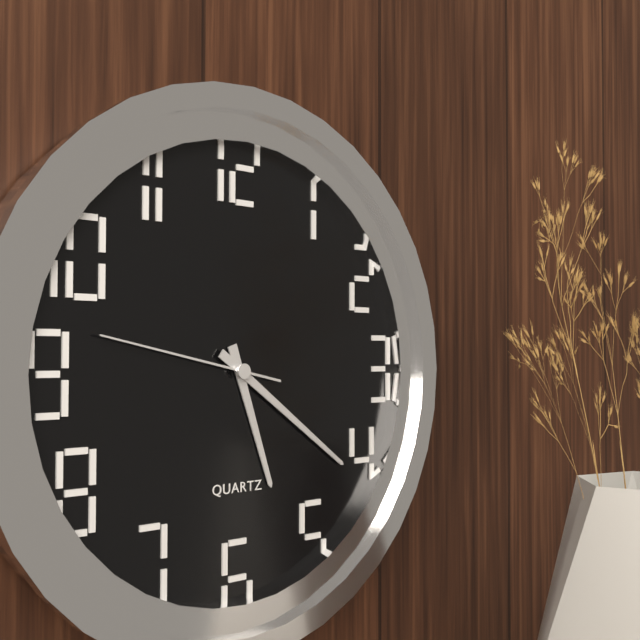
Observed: 5 h 21 min 47 s
